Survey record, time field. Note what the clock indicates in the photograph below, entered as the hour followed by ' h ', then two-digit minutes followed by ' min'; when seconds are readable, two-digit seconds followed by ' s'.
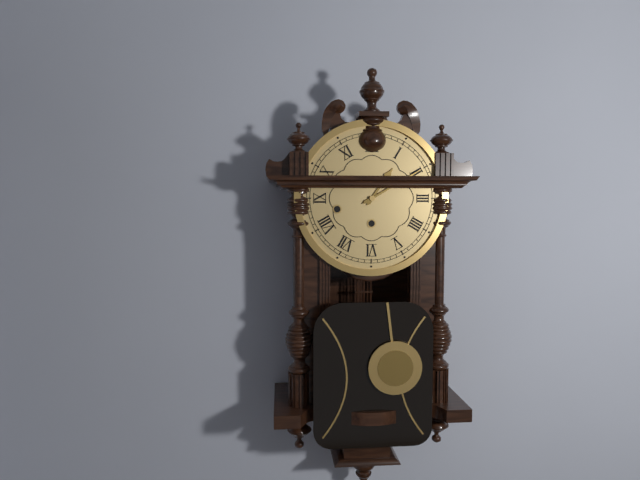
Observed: 1 h 10 min
